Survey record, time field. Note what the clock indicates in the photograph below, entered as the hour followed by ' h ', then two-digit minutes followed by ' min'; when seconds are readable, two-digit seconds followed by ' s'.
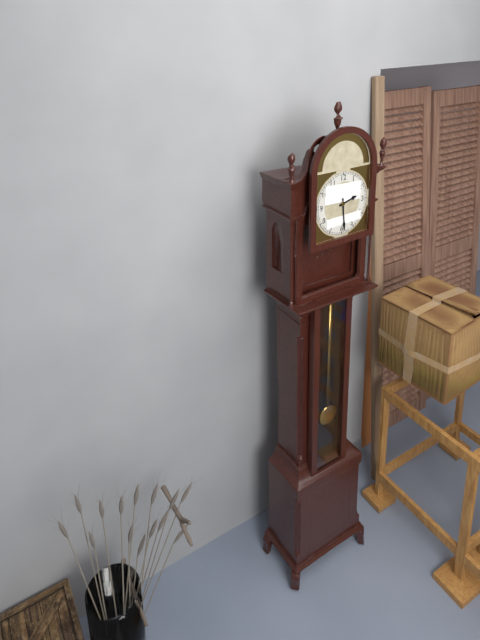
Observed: 2 h 29 min
